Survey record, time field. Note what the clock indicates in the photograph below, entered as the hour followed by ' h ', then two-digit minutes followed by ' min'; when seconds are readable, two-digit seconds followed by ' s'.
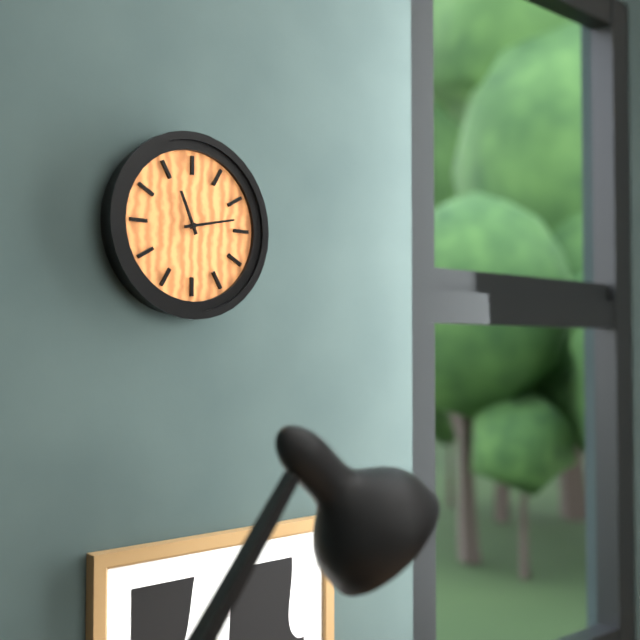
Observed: 11 h 13 min
